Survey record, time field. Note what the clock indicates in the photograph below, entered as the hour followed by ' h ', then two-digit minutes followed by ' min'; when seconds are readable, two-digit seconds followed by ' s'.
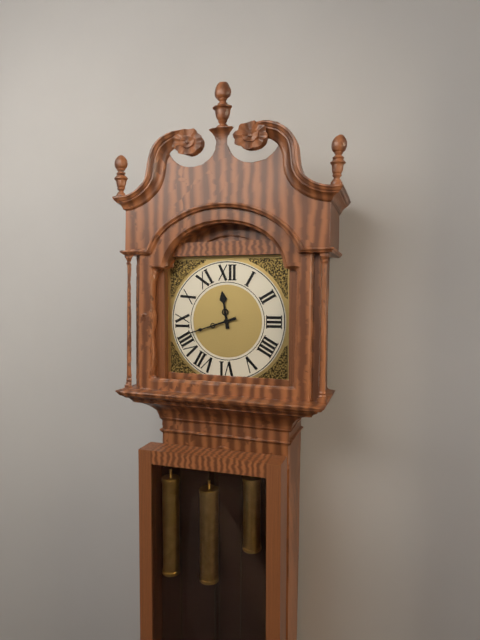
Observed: 11 h 42 min
